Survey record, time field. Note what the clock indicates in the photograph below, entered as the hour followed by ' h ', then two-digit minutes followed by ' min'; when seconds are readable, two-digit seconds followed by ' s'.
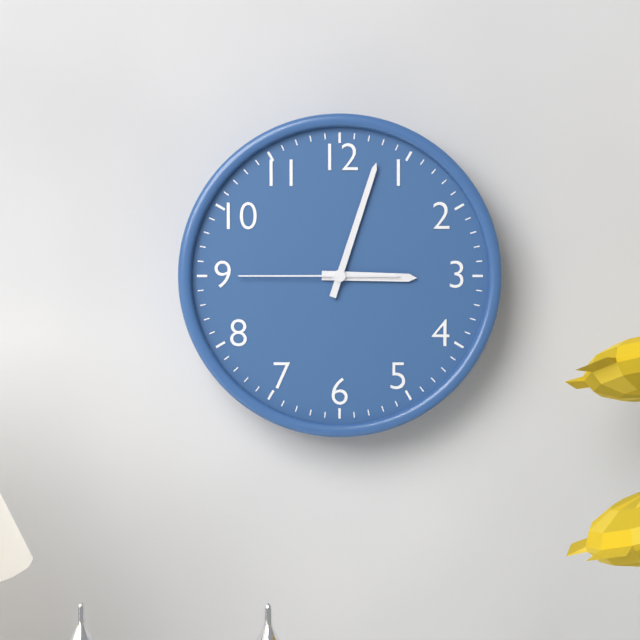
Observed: 3 h 03 min 45 s
